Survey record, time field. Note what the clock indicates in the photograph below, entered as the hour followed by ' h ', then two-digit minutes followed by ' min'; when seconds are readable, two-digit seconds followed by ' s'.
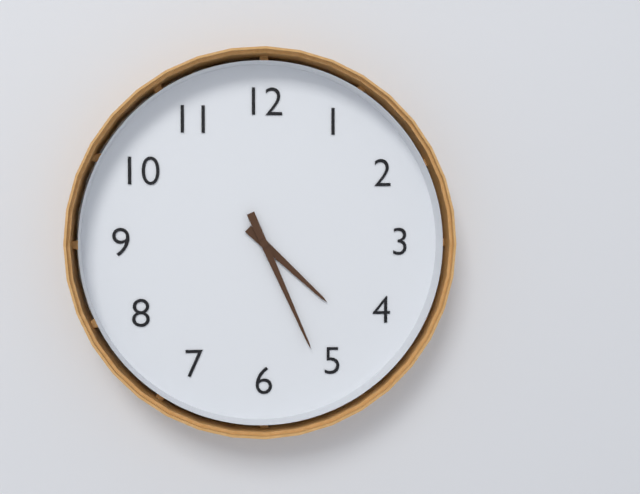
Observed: 4 h 26 min
